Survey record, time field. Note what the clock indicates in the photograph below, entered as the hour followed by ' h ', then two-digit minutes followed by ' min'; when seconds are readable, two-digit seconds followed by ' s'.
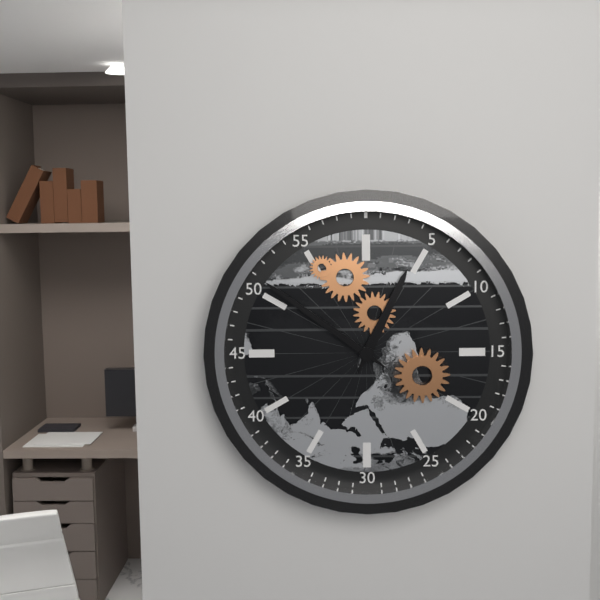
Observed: 12 h 51 min
